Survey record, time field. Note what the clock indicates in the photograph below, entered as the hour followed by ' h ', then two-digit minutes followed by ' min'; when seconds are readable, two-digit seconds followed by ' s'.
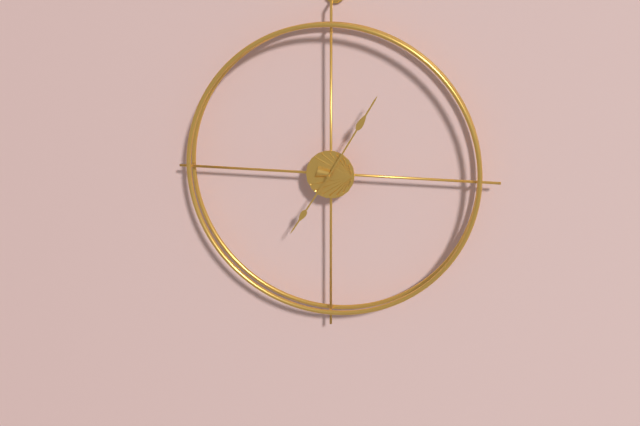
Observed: 7 h 05 min
